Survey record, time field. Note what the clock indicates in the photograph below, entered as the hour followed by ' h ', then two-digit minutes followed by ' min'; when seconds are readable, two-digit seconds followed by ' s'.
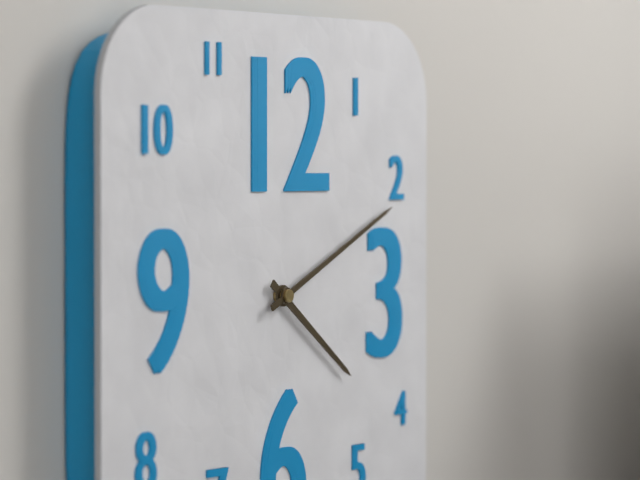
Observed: 4 h 11 min
